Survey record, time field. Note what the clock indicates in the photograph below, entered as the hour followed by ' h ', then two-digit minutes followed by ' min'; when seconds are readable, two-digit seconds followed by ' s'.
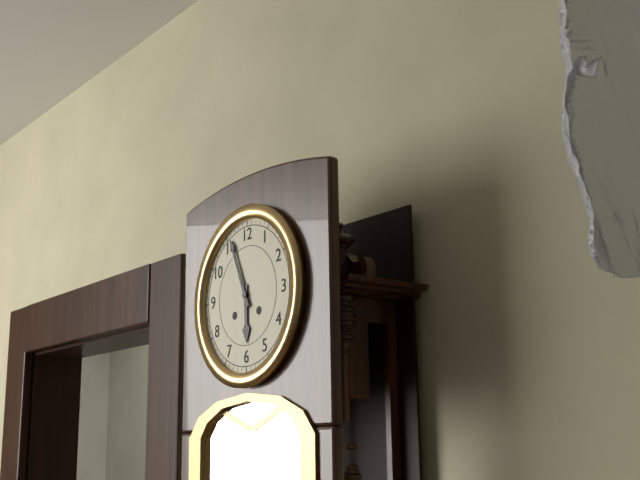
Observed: 5 h 56 min
